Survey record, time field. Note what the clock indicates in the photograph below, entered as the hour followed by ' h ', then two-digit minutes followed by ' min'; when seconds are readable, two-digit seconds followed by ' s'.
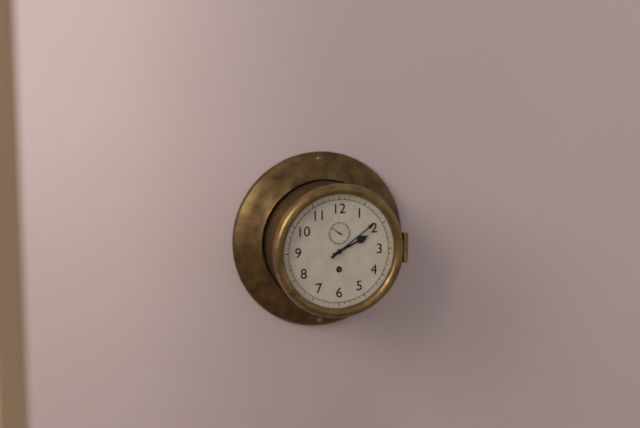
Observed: 2 h 09 min
